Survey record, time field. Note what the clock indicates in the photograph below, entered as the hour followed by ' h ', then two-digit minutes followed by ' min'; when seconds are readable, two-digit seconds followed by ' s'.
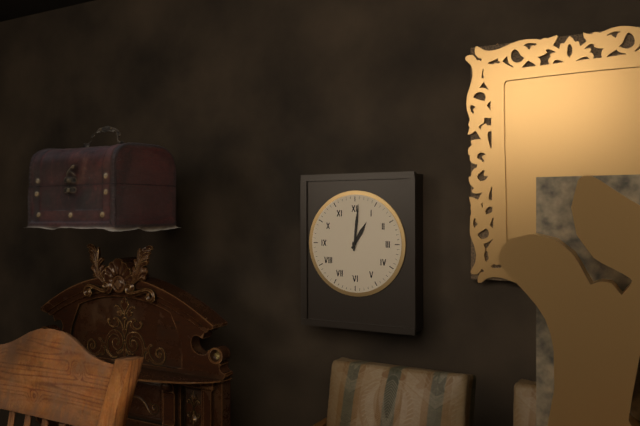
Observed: 1 h 01 min
